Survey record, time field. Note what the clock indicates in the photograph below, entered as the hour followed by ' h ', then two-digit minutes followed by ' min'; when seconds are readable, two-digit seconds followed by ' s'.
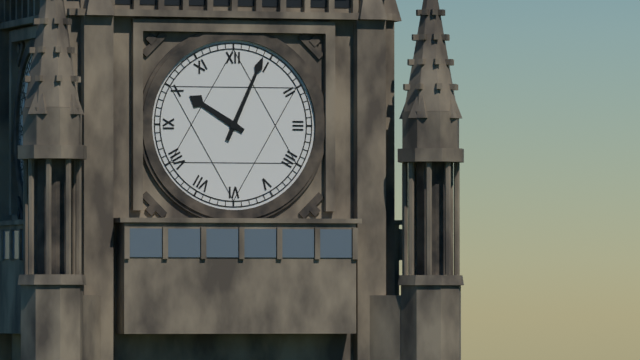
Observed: 10 h 04 min
